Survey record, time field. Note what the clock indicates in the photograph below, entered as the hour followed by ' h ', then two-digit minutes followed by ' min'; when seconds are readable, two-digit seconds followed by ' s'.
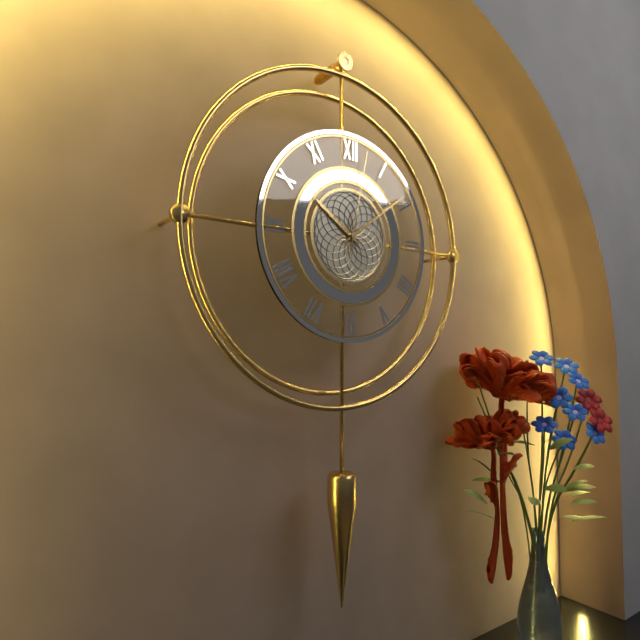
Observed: 10 h 09 min 02 s
